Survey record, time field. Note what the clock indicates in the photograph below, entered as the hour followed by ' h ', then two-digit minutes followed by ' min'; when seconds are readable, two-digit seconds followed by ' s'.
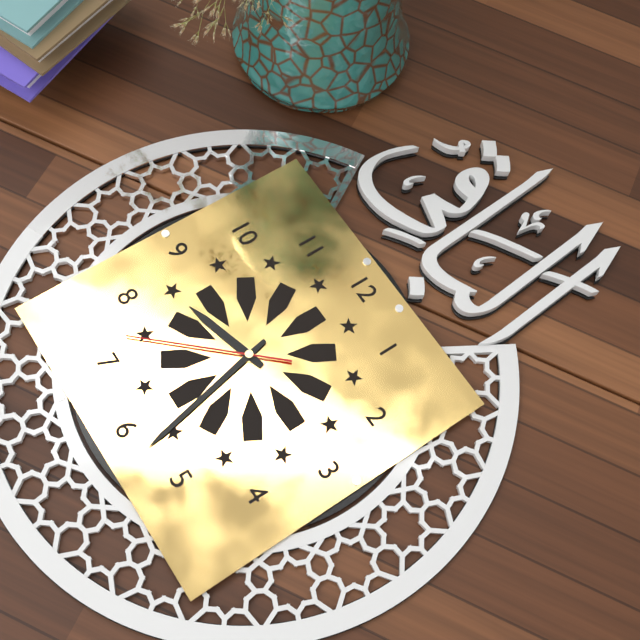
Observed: 8 h 28 min 37 s
